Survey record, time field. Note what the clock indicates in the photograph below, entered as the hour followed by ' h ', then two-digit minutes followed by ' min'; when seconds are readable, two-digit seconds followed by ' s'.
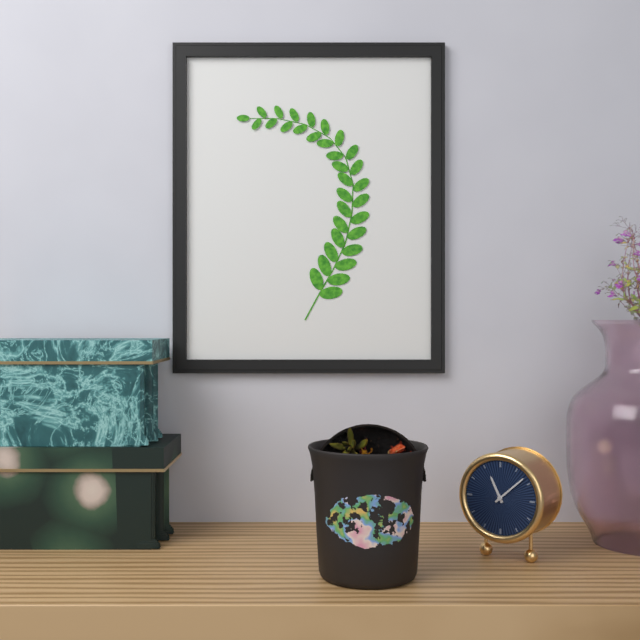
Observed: 11 h 08 min
